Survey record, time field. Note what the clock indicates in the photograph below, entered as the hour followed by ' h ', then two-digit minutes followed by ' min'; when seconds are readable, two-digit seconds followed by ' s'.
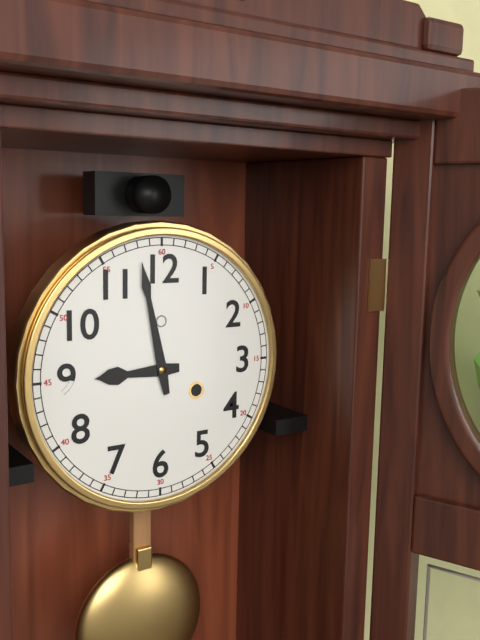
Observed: 8 h 58 min
